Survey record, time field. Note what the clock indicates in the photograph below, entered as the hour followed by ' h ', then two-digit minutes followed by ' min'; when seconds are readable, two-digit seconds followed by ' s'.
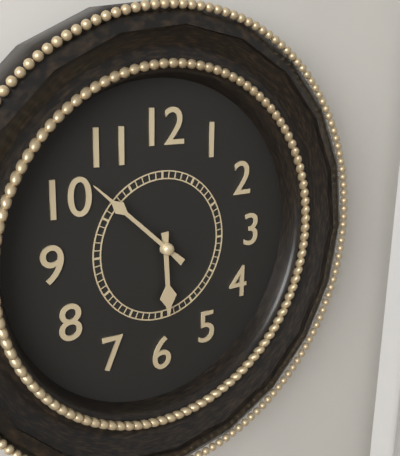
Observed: 5 h 52 min
